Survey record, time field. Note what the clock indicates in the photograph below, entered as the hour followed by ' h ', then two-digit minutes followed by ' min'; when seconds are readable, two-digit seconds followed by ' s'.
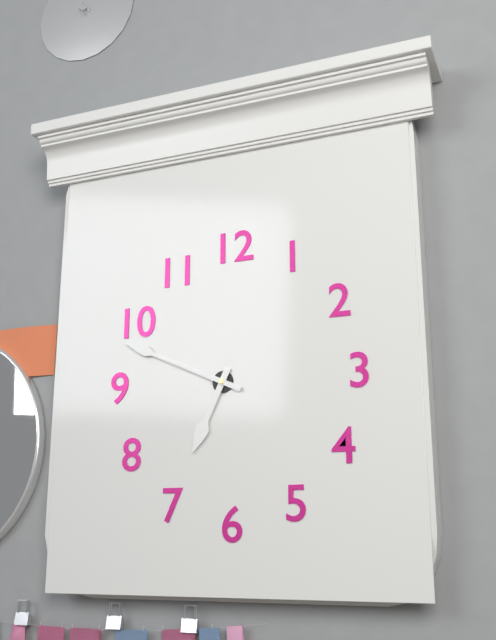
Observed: 6 h 49 min
